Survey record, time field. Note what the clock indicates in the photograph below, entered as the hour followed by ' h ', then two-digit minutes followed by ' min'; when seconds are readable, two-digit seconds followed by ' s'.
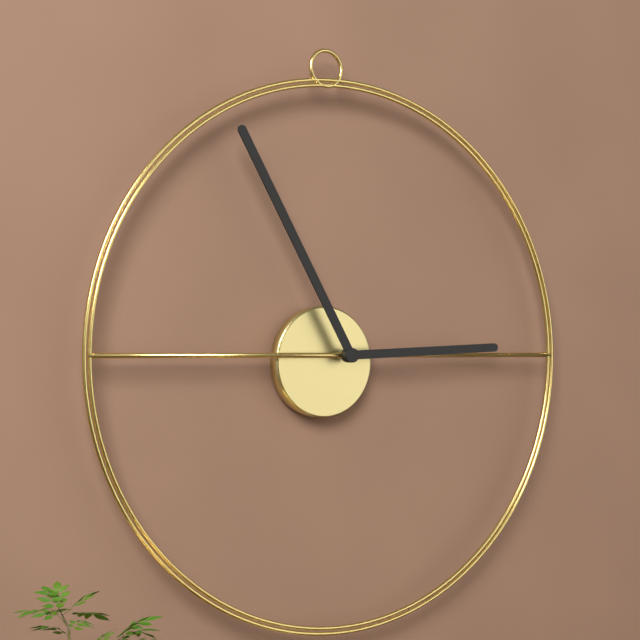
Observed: 2 h 55 min
